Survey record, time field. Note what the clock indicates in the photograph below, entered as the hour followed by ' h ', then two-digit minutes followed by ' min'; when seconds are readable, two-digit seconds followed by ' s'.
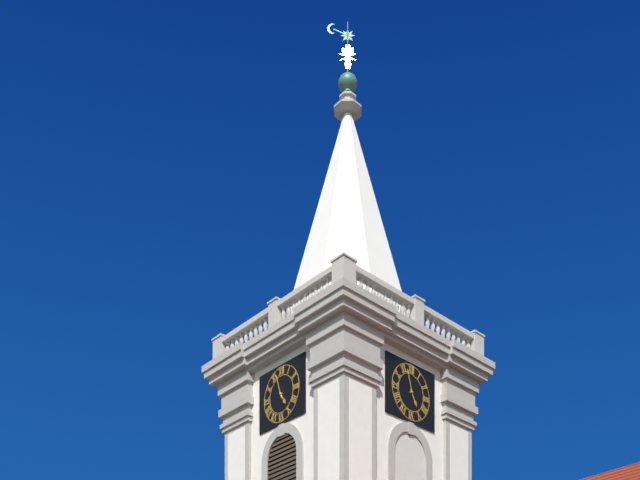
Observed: 4 h 57 min
